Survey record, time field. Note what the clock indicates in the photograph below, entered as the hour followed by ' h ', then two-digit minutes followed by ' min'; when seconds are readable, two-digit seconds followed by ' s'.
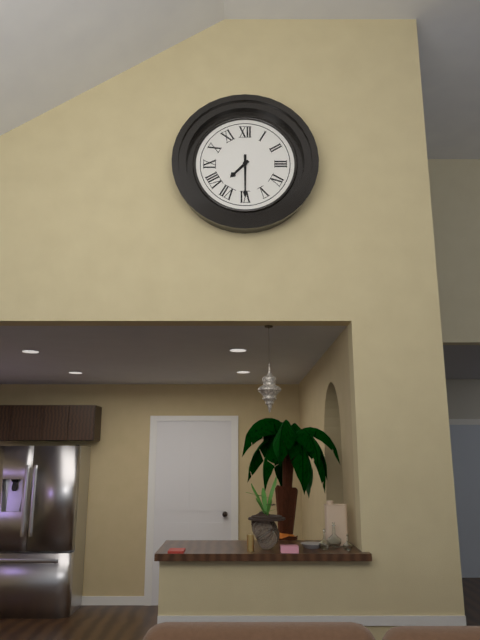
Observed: 7 h 30 min
